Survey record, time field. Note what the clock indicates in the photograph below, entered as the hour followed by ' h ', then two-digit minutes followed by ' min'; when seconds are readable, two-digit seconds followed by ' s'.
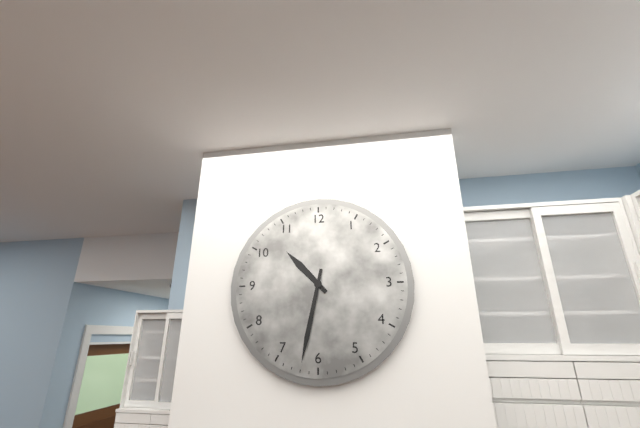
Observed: 10 h 32 min
